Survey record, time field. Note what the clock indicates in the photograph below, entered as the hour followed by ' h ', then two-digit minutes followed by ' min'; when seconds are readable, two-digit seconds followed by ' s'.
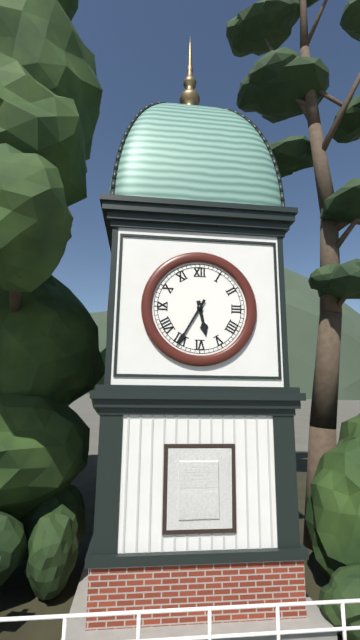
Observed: 5 h 35 min
